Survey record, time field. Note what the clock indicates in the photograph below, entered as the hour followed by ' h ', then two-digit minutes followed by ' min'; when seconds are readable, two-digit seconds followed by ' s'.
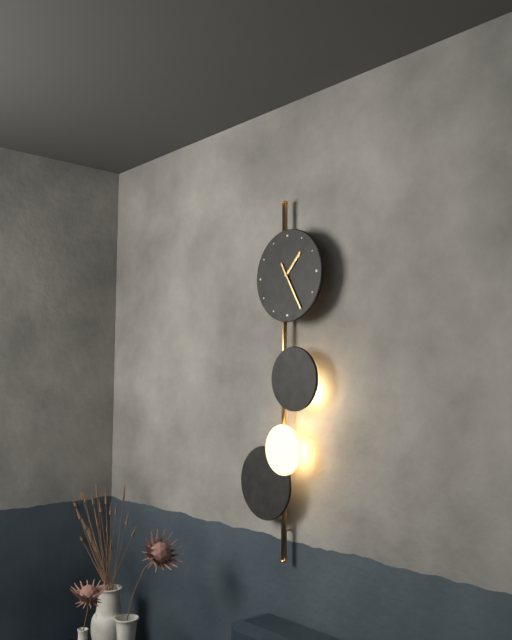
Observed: 1 h 25 min
